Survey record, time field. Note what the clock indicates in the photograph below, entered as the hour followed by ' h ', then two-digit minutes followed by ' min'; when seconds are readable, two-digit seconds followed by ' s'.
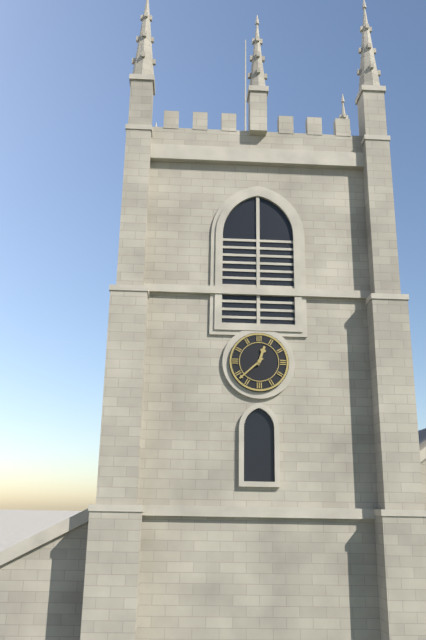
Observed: 12 h 38 min
